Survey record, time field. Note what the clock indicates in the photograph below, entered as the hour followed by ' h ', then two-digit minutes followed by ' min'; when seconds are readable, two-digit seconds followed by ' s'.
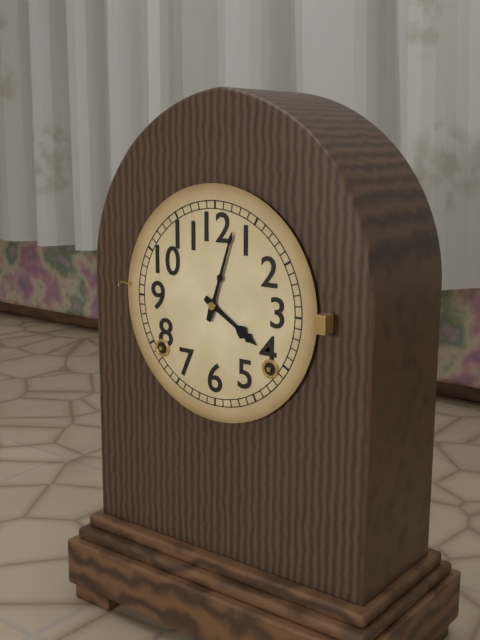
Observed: 4 h 03 min
